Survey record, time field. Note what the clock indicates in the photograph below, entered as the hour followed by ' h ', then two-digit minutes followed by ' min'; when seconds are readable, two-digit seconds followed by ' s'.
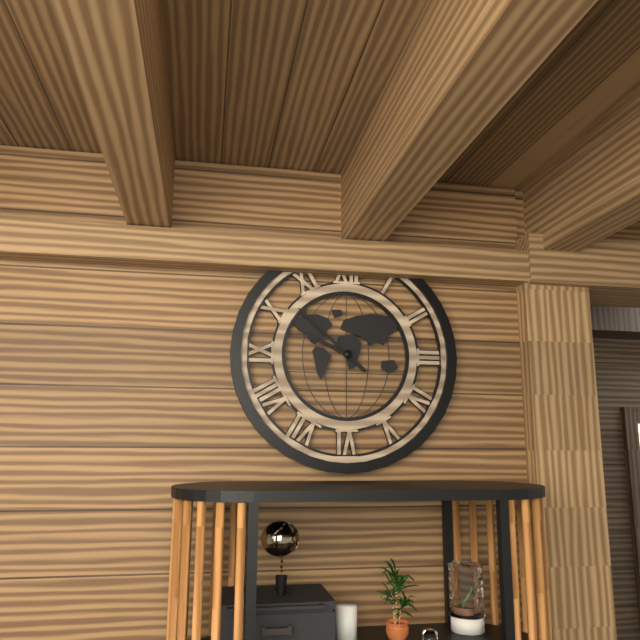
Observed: 9 h 52 min
